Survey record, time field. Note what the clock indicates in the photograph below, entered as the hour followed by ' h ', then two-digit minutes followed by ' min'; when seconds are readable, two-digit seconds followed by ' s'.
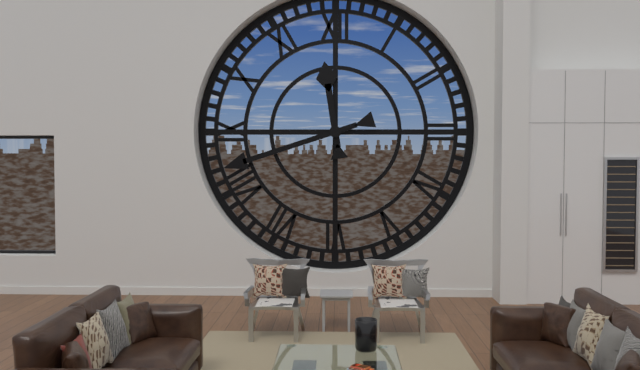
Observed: 11 h 42 min
